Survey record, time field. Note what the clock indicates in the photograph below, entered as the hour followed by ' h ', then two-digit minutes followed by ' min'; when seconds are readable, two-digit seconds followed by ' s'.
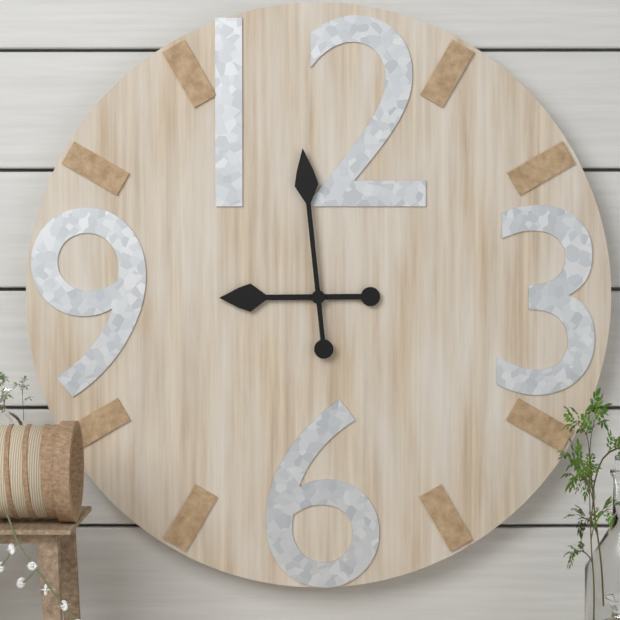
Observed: 8 h 59 min
